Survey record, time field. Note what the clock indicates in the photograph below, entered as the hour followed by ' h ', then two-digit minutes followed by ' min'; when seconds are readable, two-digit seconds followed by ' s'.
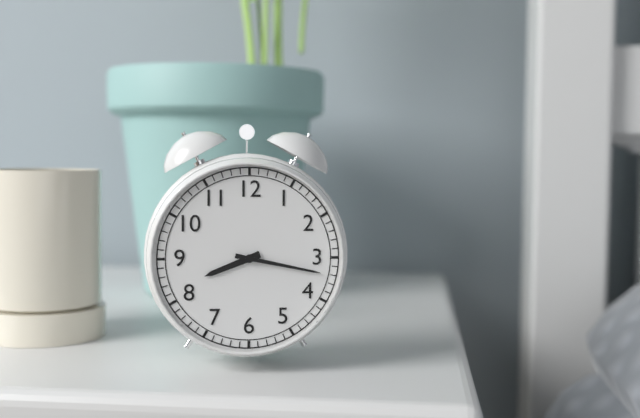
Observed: 8 h 17 min
